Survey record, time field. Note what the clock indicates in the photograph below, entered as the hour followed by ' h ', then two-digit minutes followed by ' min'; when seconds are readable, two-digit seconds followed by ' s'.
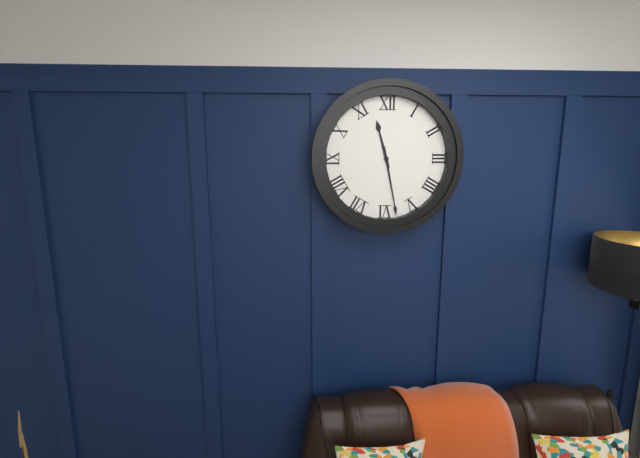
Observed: 11 h 28 min
